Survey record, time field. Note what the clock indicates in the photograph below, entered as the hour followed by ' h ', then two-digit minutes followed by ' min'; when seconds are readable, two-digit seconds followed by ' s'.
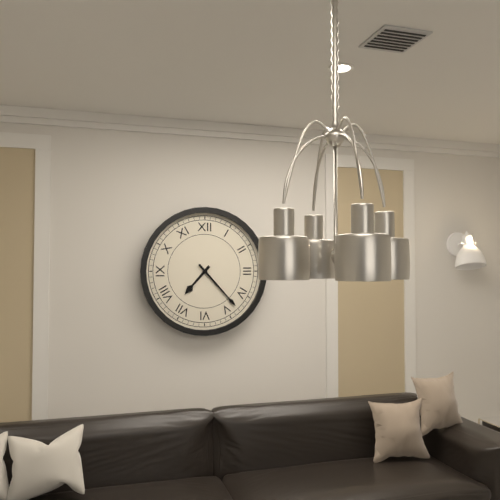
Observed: 7 h 23 min
